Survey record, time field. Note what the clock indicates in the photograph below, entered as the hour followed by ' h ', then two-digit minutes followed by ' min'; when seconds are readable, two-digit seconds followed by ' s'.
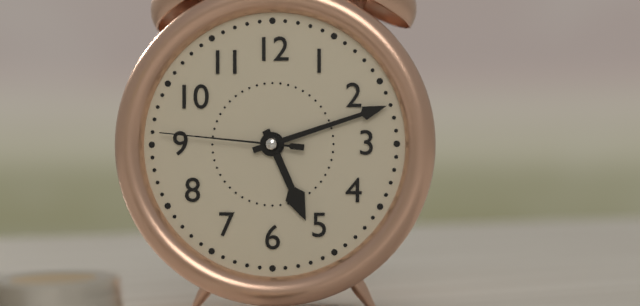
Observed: 5 h 12 min 46 s
